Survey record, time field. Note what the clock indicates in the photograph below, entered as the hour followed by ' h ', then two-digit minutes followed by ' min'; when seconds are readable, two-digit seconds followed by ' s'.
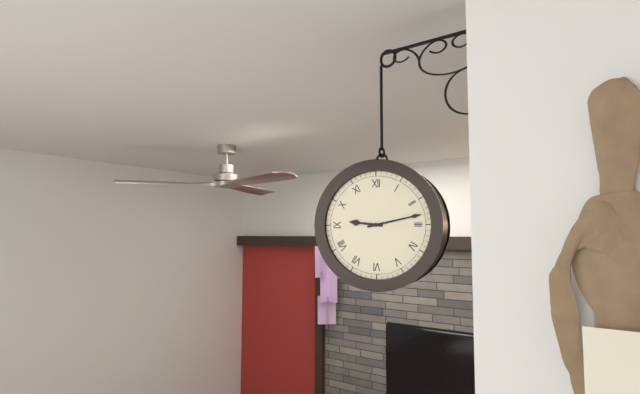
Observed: 9 h 13 min
